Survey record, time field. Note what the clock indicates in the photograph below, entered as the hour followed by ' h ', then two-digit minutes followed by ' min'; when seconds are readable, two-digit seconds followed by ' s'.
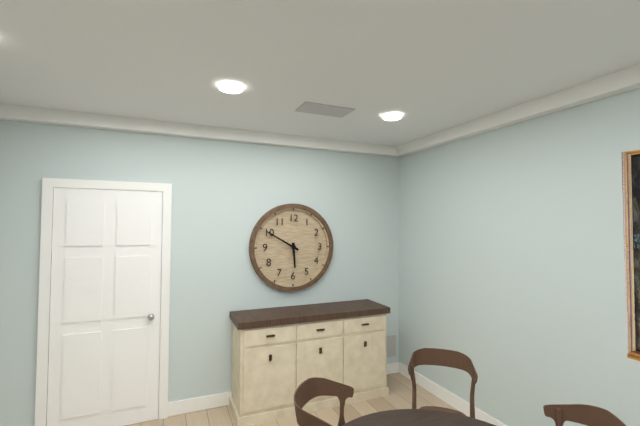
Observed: 5 h 50 min
